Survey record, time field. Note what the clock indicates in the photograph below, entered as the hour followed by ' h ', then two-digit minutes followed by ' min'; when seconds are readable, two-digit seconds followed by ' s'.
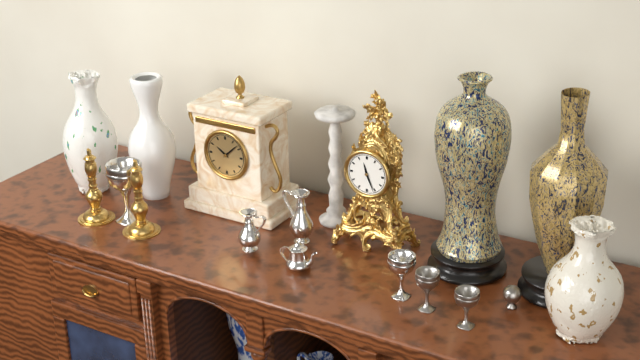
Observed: 11 h 26 min
